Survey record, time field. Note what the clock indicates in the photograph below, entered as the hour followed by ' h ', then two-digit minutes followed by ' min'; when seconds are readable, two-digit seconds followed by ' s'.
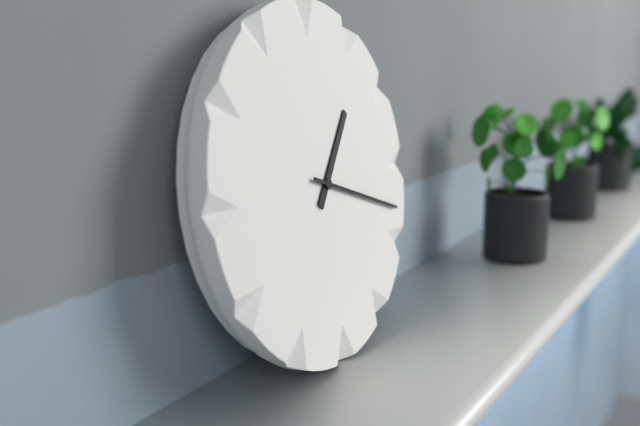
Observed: 1 h 18 min
